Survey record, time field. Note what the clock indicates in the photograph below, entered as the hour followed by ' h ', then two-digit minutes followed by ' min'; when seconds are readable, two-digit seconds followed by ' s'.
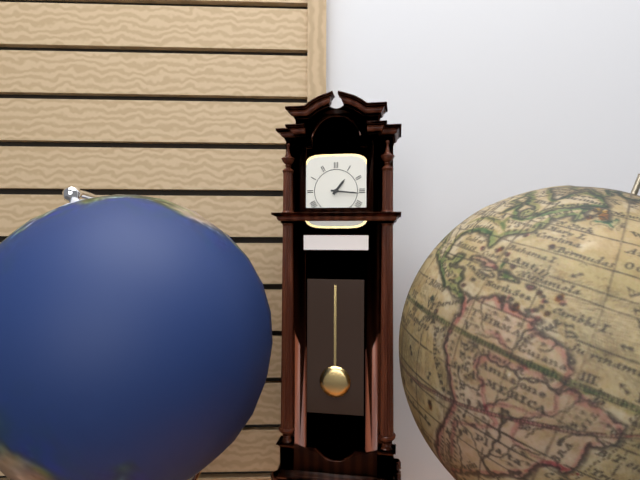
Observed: 1 h 16 min
